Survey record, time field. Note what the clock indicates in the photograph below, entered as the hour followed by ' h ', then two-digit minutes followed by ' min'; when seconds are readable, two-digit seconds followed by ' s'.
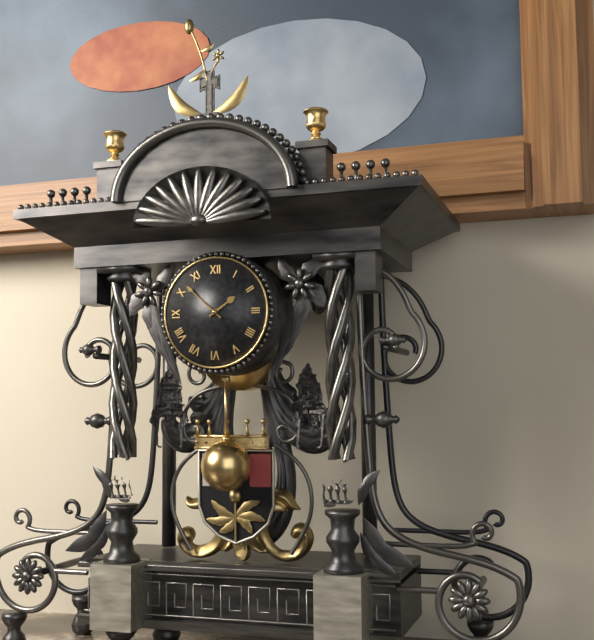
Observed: 1 h 52 min
